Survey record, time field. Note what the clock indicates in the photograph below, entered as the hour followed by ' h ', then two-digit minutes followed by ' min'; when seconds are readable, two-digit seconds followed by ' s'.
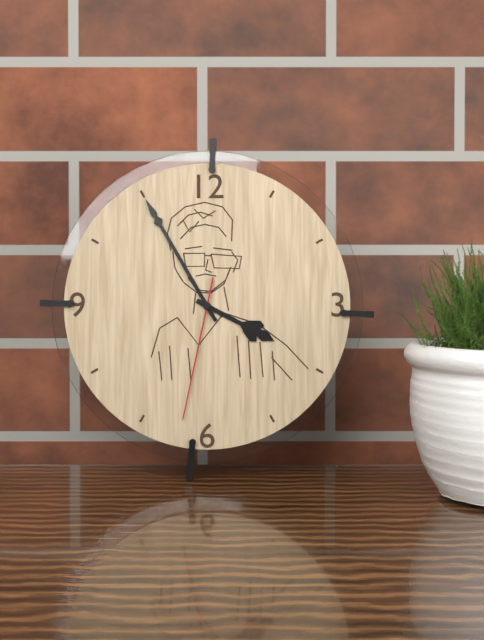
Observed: 3 h 55 min 32 s
